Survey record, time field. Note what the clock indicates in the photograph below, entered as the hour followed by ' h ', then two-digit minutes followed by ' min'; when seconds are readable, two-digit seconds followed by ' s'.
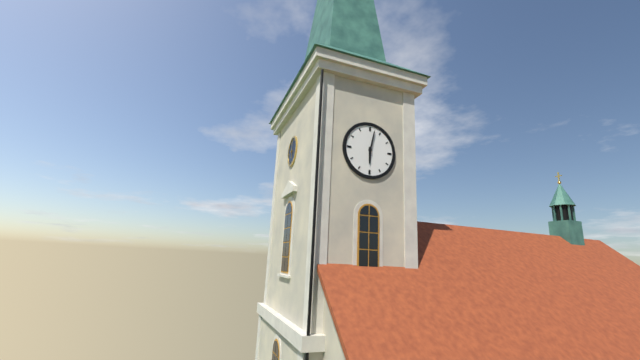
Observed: 6 h 02 min
